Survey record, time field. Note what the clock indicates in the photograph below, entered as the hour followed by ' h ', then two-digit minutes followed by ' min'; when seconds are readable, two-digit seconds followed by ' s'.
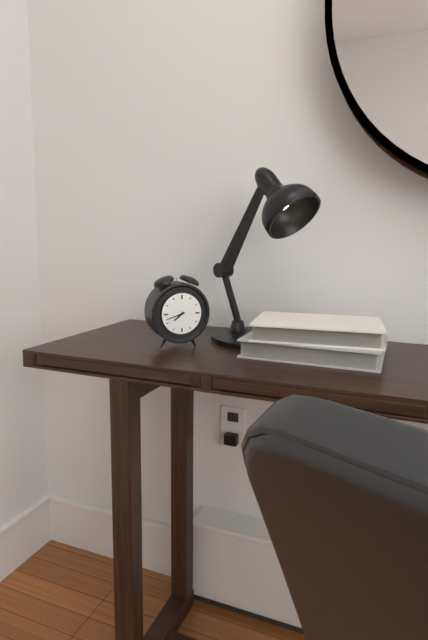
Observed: 7 h 42 min
